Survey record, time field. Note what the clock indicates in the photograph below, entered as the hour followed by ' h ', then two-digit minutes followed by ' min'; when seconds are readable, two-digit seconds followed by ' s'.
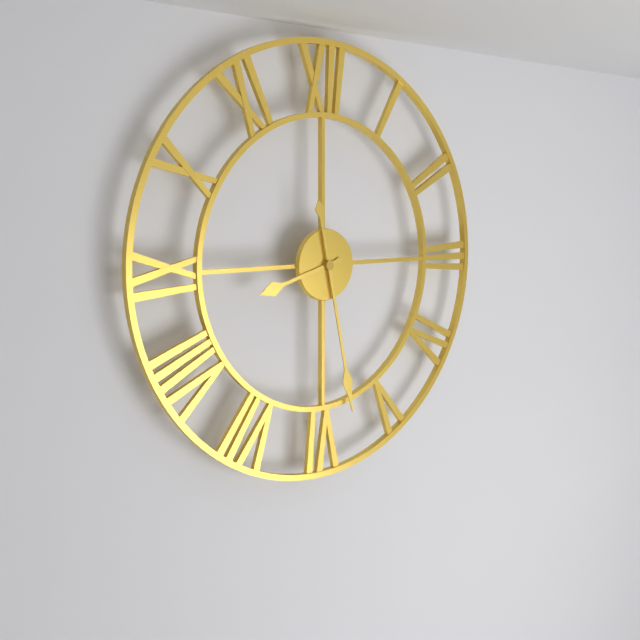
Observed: 8 h 28 min
